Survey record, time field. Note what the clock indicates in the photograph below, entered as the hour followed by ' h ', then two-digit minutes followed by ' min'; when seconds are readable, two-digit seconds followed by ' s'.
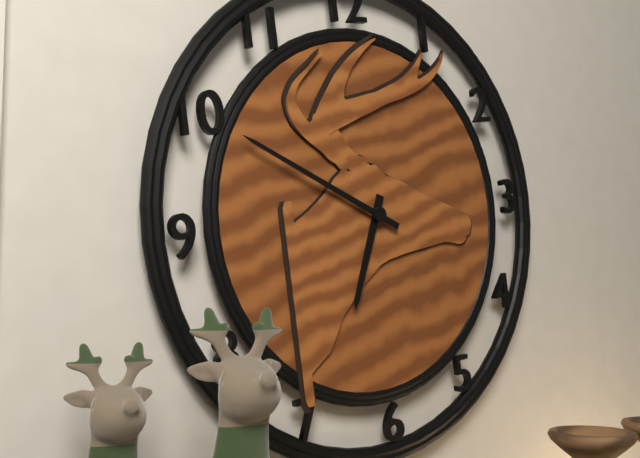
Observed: 6 h 50 min
